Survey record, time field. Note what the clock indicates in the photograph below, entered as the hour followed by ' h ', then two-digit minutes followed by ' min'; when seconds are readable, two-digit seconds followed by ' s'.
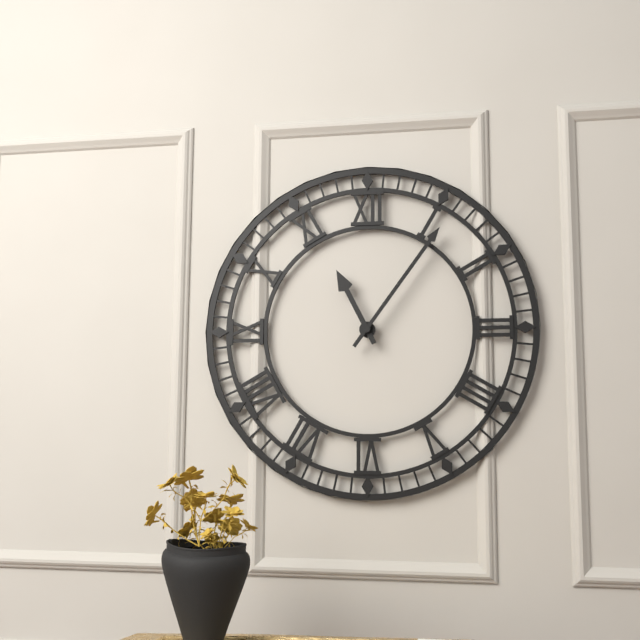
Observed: 11 h 06 min
